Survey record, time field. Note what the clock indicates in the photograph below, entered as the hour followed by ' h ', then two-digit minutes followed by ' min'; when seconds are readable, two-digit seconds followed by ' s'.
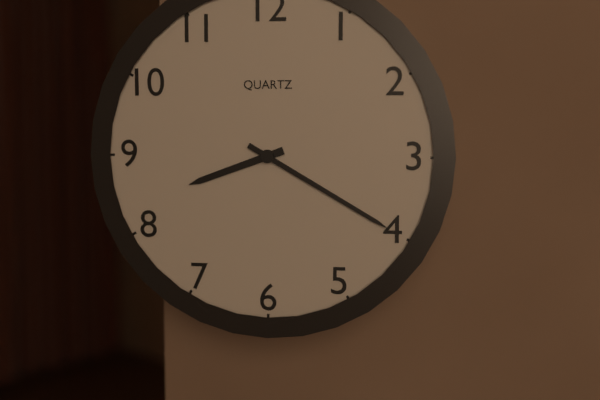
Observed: 8 h 20 min
